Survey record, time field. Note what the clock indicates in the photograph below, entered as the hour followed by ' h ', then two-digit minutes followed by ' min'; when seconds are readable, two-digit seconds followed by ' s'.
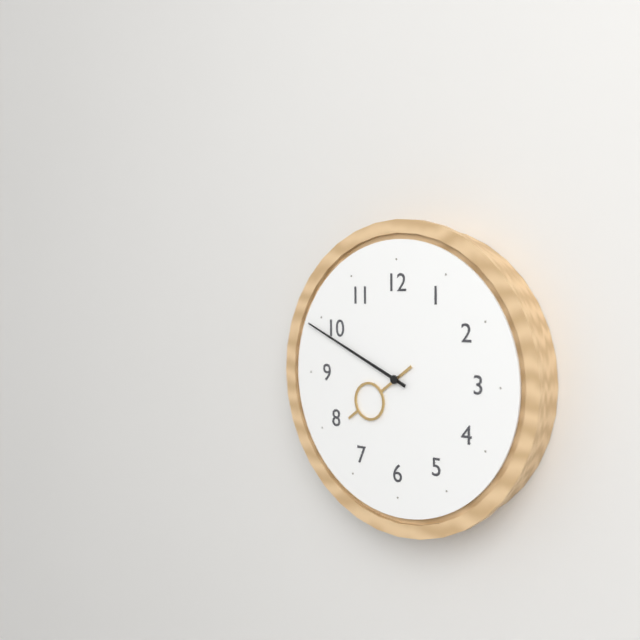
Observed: 7 h 49 min
